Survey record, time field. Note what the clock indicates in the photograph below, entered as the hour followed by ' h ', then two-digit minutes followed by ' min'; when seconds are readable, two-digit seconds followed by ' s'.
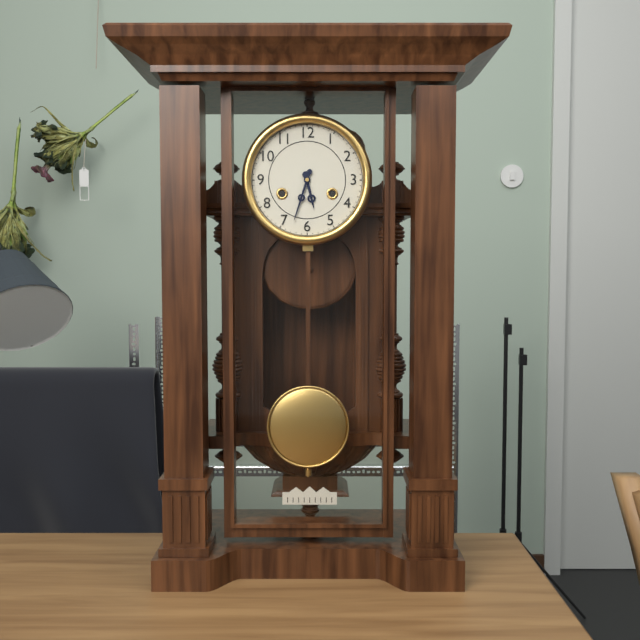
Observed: 5 h 33 min
